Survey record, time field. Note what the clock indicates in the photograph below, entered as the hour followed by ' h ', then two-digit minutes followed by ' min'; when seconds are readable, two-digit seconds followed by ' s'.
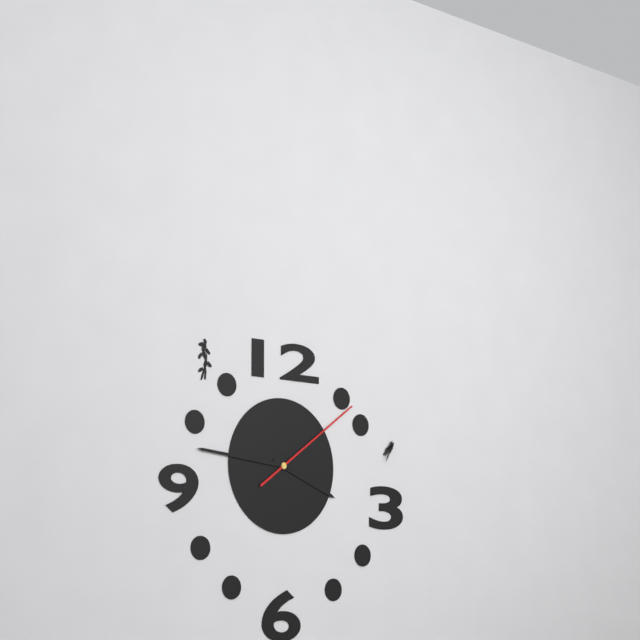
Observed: 3 h 46 min 09 s
